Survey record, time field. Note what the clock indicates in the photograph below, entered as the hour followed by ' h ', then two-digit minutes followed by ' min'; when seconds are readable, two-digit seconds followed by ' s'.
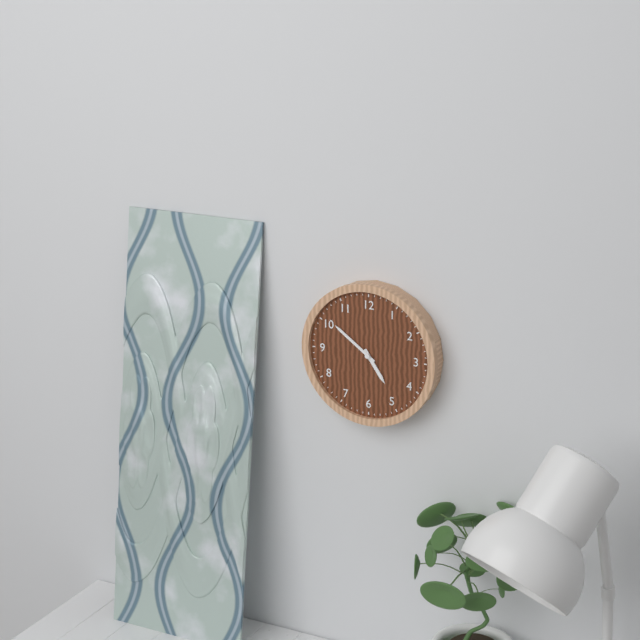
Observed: 4 h 51 min
